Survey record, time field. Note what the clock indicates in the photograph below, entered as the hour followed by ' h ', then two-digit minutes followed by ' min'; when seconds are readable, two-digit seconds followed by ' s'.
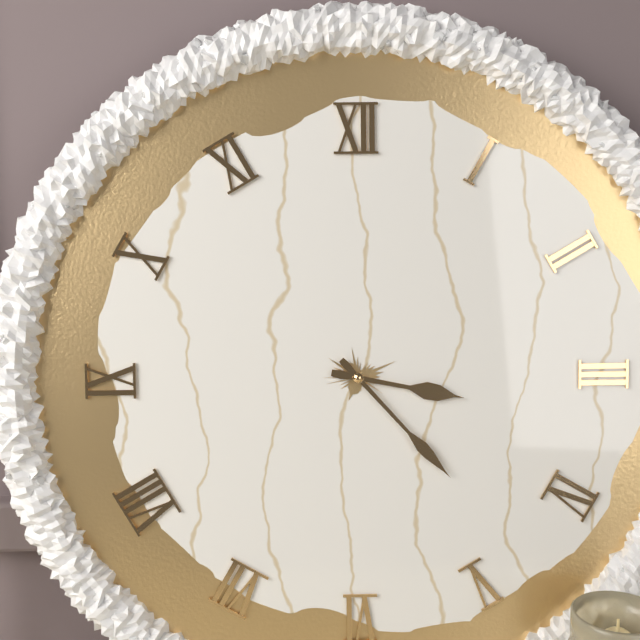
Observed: 3 h 23 min
